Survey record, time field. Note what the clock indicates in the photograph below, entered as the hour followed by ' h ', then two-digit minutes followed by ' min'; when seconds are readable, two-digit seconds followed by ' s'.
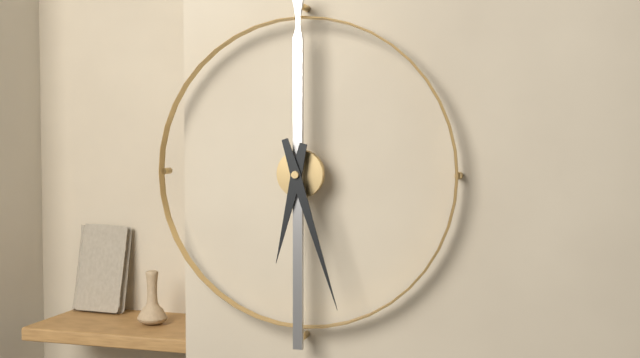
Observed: 6 h 27 min
